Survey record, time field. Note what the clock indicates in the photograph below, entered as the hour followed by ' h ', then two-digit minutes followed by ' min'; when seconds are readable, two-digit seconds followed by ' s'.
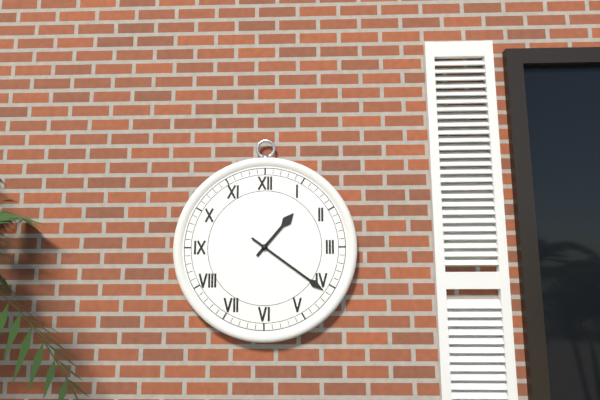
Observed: 1 h 21 min
